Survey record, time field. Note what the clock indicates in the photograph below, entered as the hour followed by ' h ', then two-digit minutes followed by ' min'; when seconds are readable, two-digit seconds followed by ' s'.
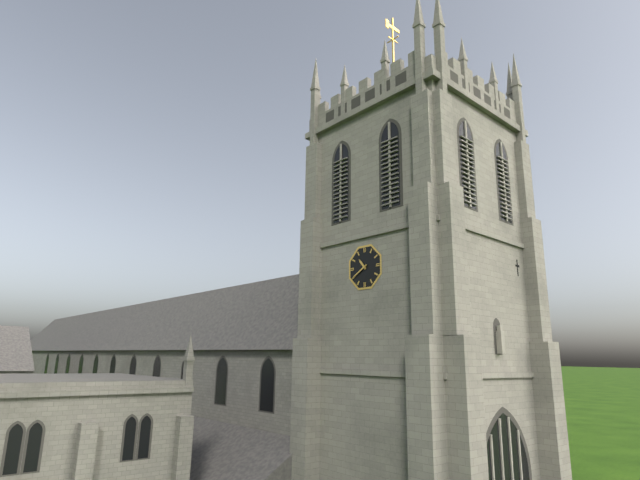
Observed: 10 h 40 min
